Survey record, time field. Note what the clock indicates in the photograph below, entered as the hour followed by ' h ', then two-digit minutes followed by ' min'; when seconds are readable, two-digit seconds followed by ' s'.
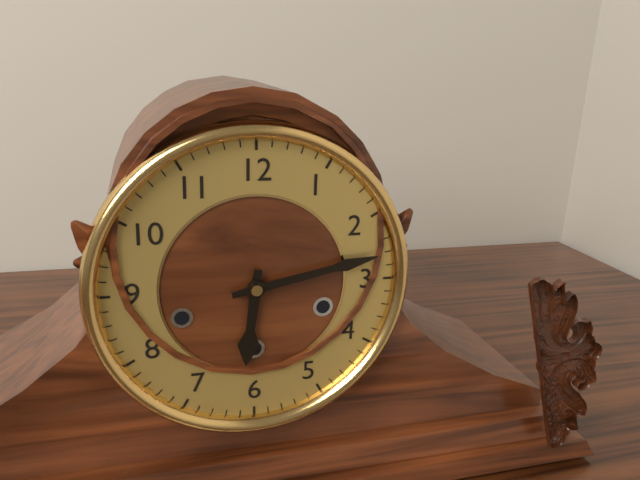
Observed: 6 h 13 min
